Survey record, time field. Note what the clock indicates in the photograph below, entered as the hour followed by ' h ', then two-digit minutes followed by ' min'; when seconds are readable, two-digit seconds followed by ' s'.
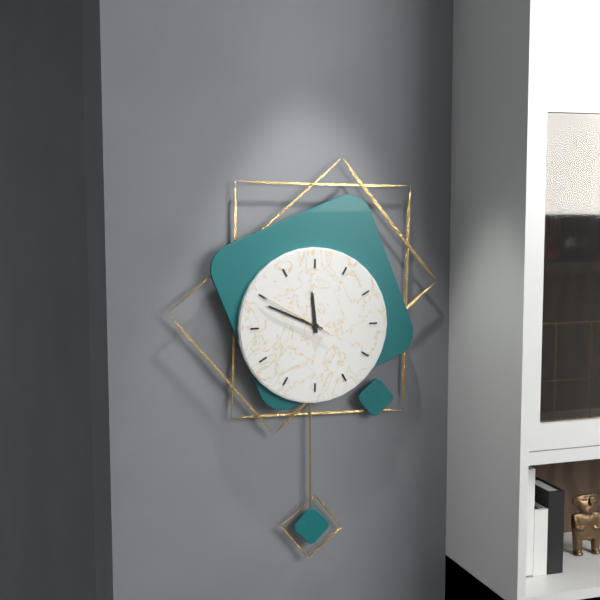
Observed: 11 h 49 min 50 s
